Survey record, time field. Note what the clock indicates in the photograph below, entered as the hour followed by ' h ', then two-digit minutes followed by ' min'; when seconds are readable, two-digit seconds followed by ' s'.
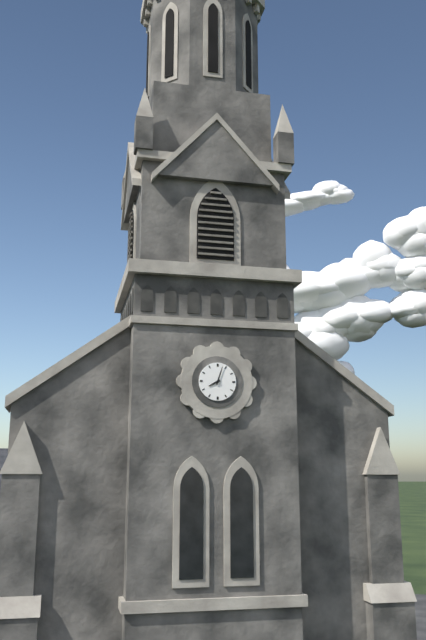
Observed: 8 h 03 min
